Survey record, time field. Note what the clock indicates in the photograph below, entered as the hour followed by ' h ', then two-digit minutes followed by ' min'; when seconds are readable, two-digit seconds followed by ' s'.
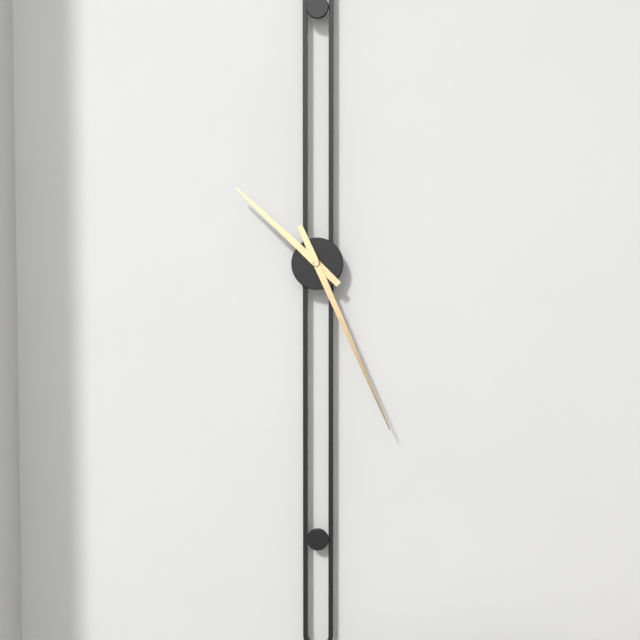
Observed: 10 h 26 min
